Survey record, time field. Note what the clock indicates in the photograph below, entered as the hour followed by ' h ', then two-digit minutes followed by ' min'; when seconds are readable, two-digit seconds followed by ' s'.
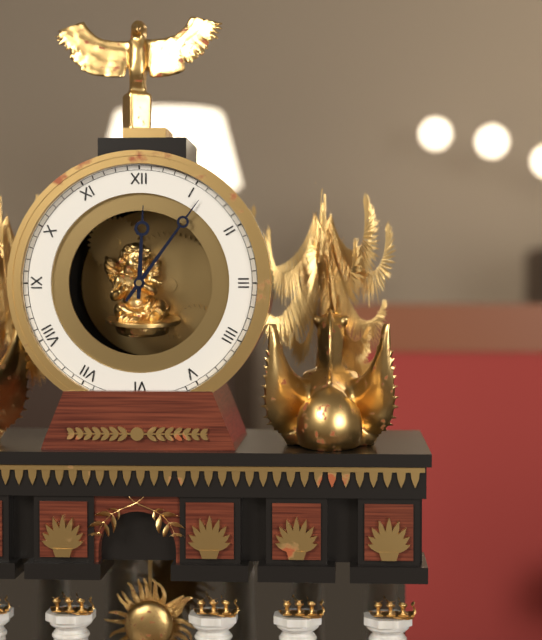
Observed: 12 h 06 min
